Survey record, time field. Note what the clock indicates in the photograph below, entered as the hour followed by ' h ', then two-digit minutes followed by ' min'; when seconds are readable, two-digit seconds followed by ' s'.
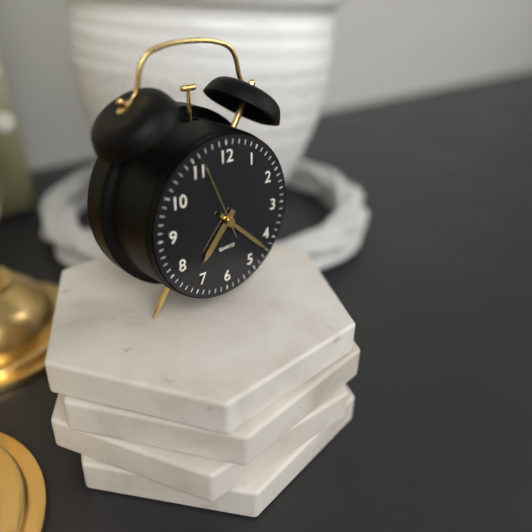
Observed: 7 h 22 min 56 s
